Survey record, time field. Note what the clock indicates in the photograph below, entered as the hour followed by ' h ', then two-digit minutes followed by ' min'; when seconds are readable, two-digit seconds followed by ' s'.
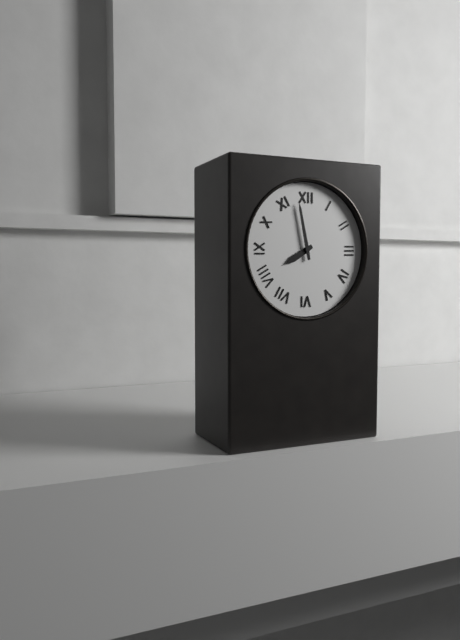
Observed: 7 h 58 min
